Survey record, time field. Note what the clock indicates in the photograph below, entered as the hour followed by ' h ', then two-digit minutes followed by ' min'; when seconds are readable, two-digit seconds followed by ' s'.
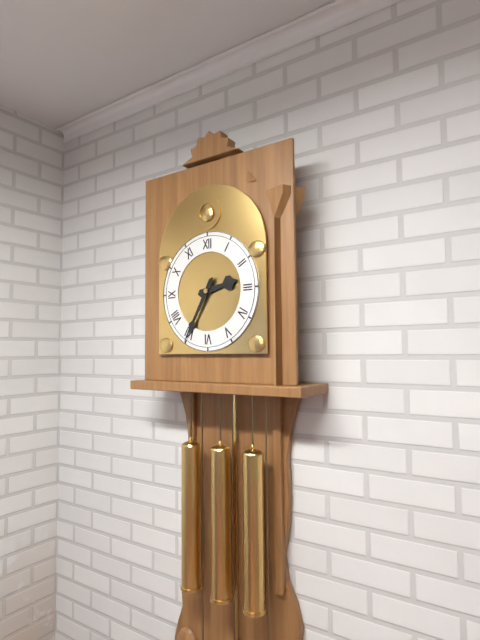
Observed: 2 h 35 min
